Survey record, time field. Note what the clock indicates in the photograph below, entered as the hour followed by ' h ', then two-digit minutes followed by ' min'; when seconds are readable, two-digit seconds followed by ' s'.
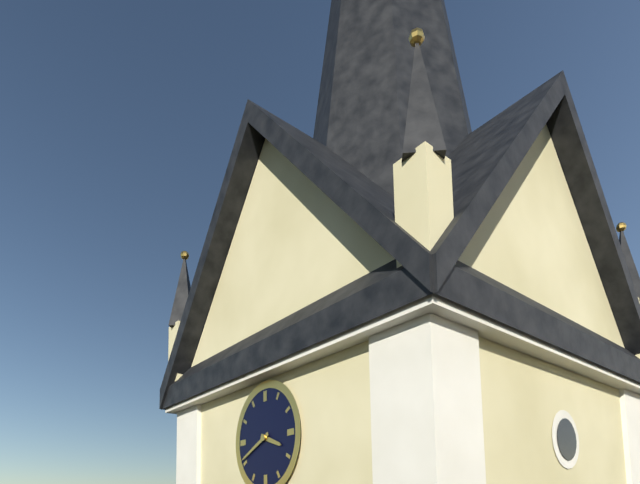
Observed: 3 h 41 min
